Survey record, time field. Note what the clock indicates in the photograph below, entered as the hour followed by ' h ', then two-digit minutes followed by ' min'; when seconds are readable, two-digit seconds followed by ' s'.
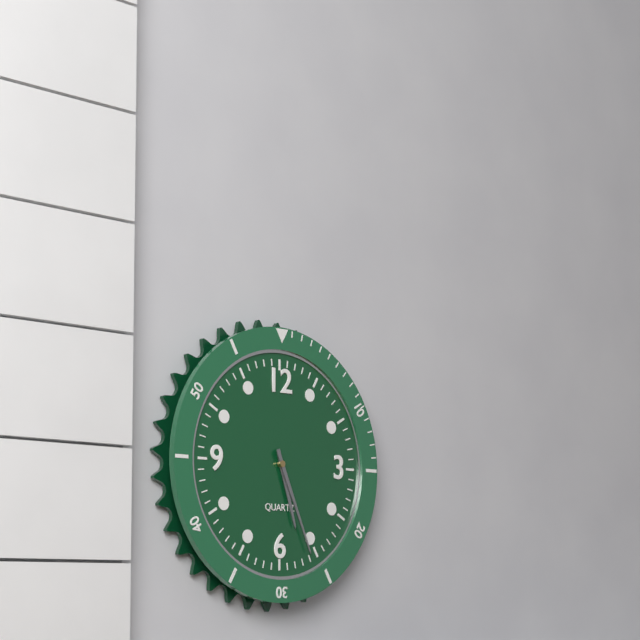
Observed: 5 h 26 min
